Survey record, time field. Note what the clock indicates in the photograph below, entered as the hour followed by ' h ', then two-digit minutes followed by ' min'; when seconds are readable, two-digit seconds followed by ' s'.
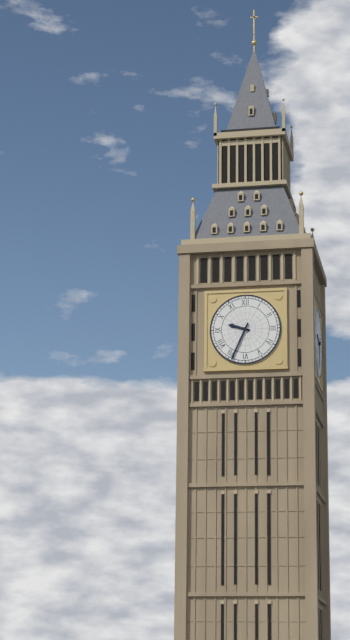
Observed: 9 h 34 min
